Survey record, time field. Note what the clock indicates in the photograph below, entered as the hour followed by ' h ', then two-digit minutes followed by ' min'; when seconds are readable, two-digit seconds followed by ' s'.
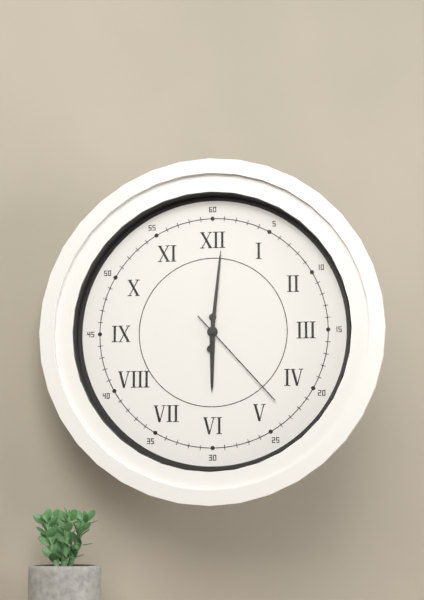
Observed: 6 h 01 min 23 s
